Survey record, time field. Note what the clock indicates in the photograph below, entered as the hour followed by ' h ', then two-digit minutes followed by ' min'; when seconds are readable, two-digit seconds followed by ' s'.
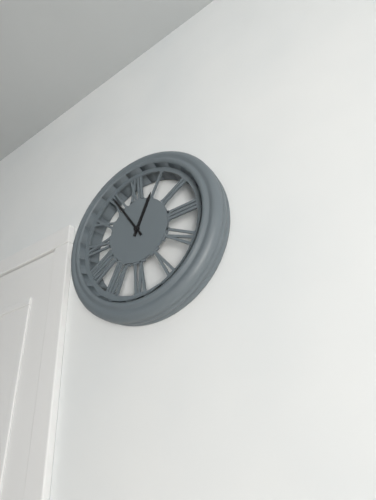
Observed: 12 h 55 min
